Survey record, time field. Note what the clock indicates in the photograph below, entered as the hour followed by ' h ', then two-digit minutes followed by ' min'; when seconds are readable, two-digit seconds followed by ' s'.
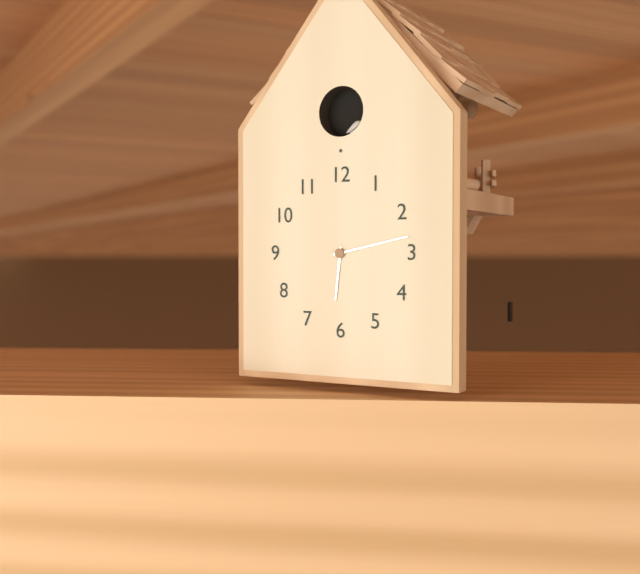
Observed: 6 h 13 min
